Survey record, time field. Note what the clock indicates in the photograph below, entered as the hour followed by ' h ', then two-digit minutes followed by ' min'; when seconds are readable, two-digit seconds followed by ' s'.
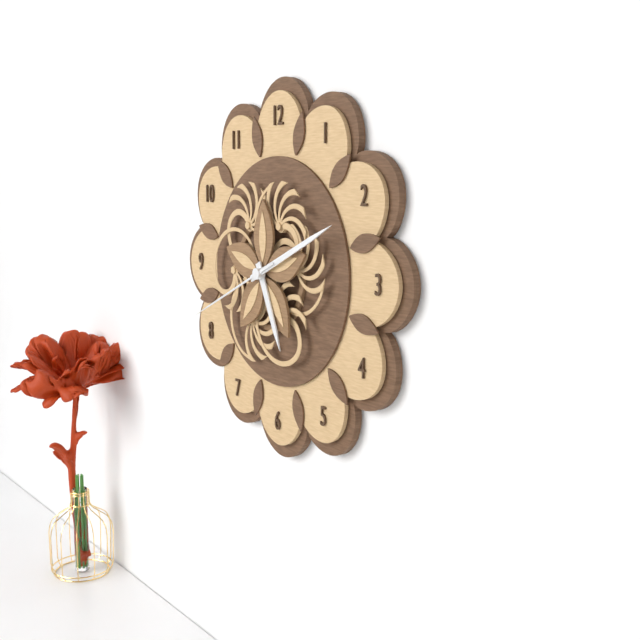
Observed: 5 h 11 min 41 s
